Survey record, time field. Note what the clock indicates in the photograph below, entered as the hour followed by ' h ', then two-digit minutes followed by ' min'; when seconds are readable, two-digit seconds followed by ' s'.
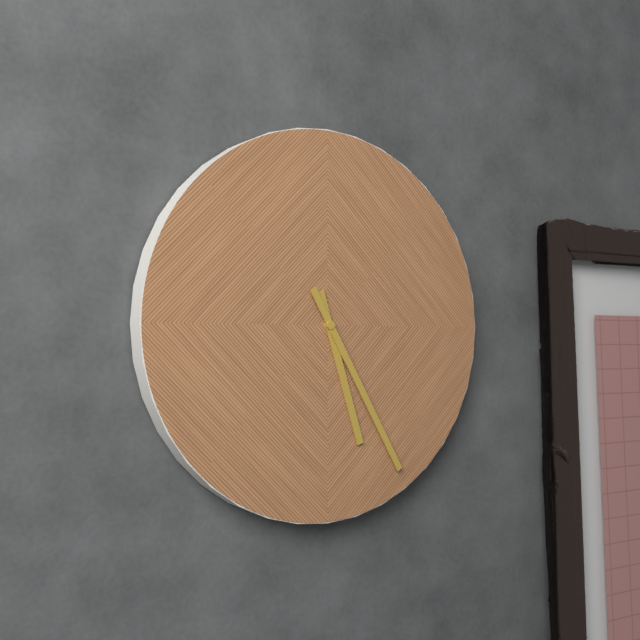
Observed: 5 h 25 min
